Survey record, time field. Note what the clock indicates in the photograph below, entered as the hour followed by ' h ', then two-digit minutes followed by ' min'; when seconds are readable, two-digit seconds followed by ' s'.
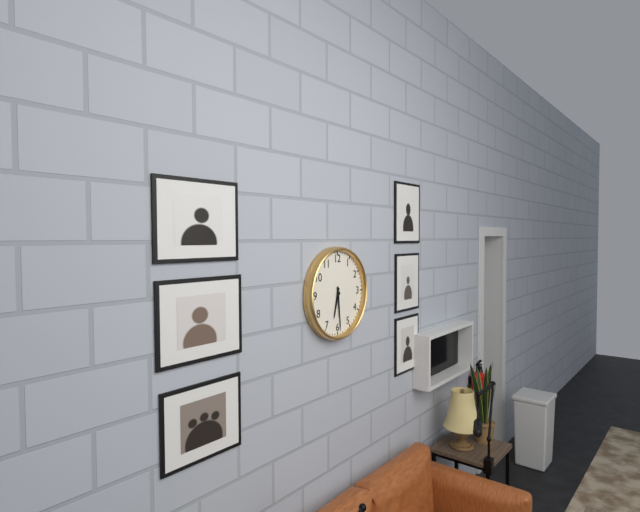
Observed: 6 h 29 min
